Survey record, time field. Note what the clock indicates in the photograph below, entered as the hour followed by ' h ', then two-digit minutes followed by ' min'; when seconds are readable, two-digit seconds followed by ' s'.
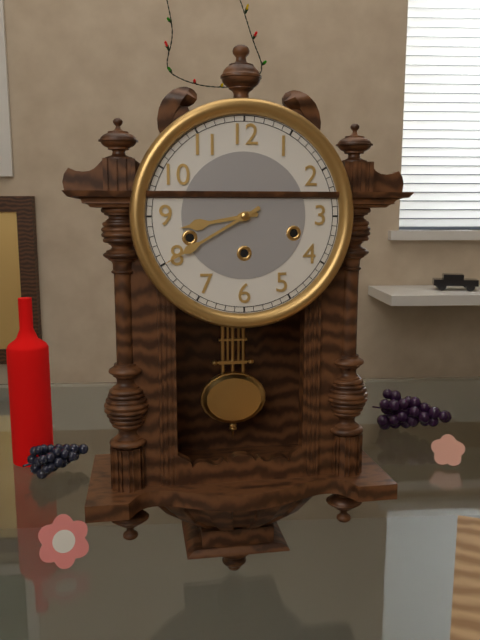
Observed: 8 h 40 min
